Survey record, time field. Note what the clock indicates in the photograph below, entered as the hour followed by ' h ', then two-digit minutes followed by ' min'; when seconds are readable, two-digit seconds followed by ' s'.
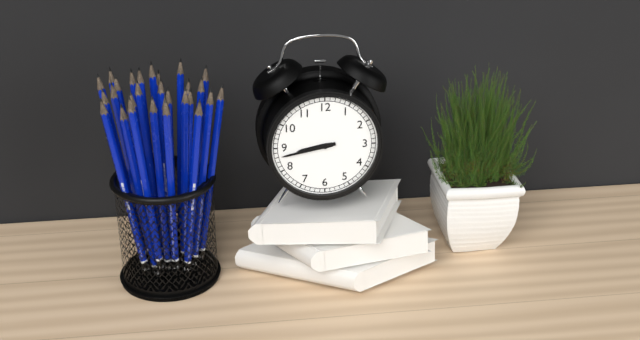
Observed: 8 h 43 min
